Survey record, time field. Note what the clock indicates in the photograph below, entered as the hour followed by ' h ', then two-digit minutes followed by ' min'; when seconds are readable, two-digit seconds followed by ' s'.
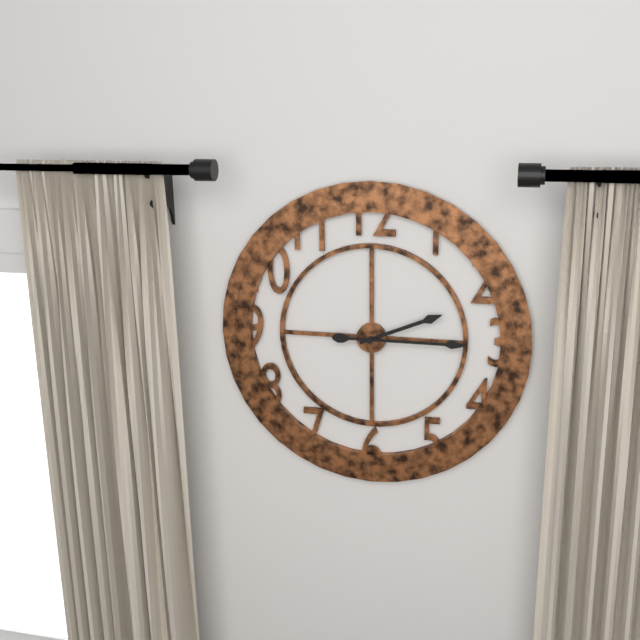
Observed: 2 h 15 min
